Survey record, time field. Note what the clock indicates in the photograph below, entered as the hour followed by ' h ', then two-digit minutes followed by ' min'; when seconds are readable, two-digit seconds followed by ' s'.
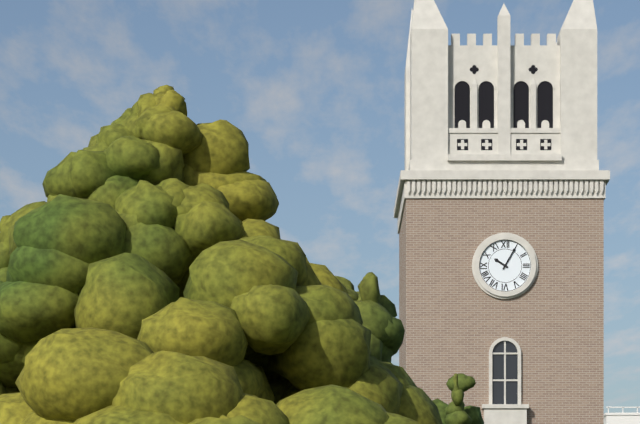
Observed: 10 h 05 min
